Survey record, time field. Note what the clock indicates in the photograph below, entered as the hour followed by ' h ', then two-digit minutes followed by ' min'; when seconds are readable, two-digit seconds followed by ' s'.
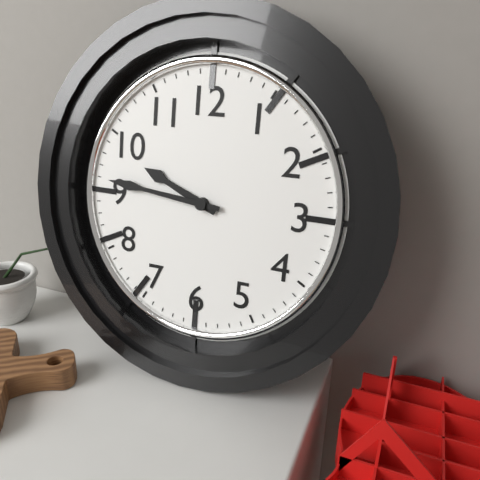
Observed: 9 h 46 min
